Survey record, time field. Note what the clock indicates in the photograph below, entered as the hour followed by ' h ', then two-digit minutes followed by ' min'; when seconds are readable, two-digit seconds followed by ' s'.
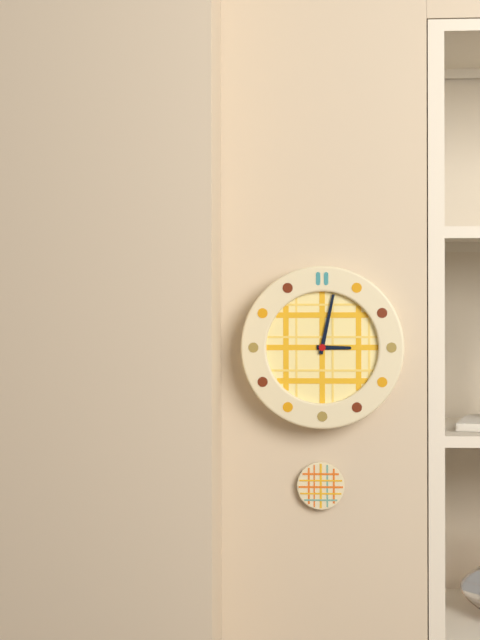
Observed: 3 h 02 min
